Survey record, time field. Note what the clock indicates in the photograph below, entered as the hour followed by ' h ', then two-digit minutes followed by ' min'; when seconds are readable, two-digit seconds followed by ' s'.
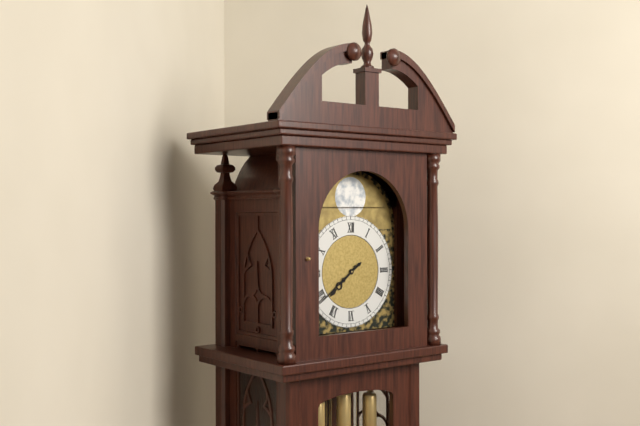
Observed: 7 h 39 min
